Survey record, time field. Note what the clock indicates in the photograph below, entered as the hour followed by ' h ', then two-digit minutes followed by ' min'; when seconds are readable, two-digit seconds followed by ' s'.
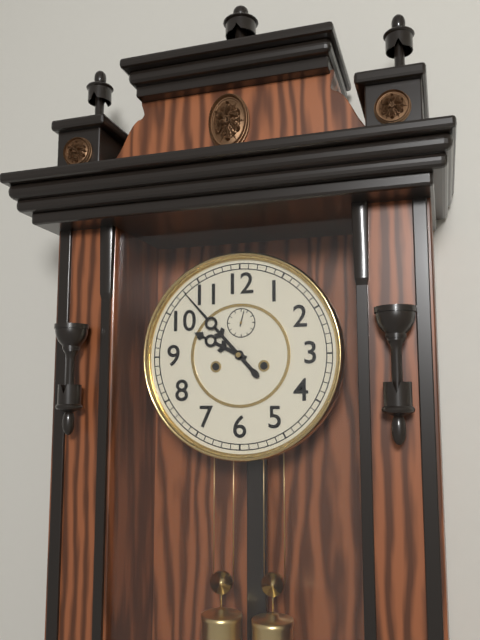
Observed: 9 h 53 min
